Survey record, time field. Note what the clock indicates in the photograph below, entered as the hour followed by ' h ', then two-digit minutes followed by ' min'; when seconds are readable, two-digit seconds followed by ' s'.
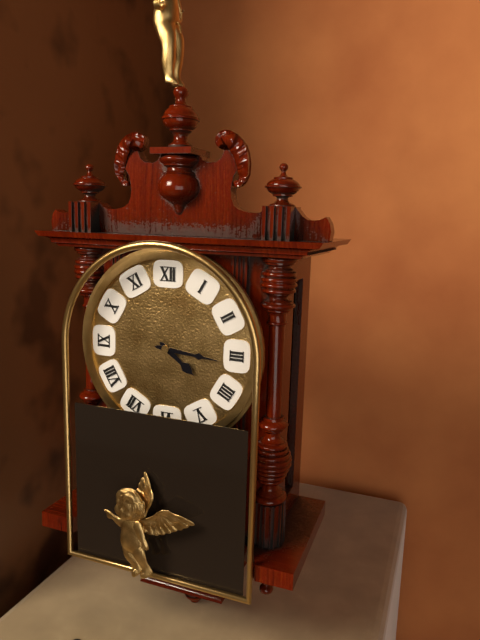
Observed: 4 h 16 min
